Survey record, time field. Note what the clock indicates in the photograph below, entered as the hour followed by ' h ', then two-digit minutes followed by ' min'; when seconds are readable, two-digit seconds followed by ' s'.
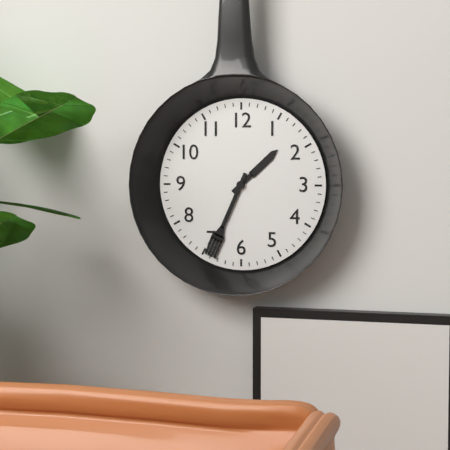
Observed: 1 h 34 min
